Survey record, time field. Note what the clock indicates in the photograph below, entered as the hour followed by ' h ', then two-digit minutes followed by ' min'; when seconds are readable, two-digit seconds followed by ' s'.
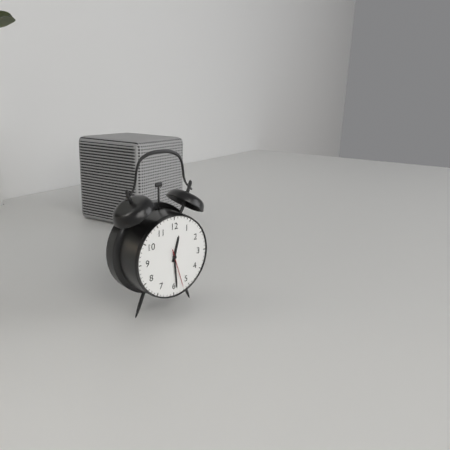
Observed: 12 h 29 min
